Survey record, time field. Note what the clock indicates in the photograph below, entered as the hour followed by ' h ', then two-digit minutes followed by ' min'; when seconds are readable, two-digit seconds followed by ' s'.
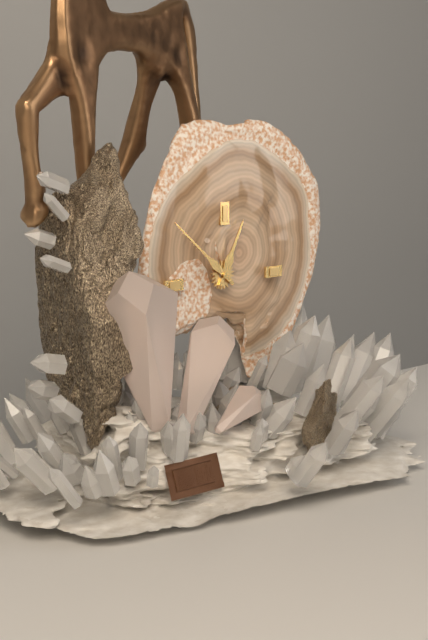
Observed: 12 h 52 min
